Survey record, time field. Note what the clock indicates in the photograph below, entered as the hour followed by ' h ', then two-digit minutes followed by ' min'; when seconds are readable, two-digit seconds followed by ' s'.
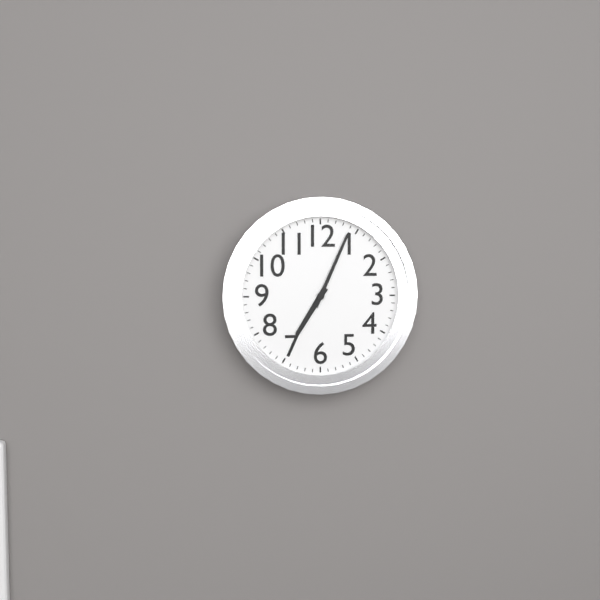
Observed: 7 h 04 min
